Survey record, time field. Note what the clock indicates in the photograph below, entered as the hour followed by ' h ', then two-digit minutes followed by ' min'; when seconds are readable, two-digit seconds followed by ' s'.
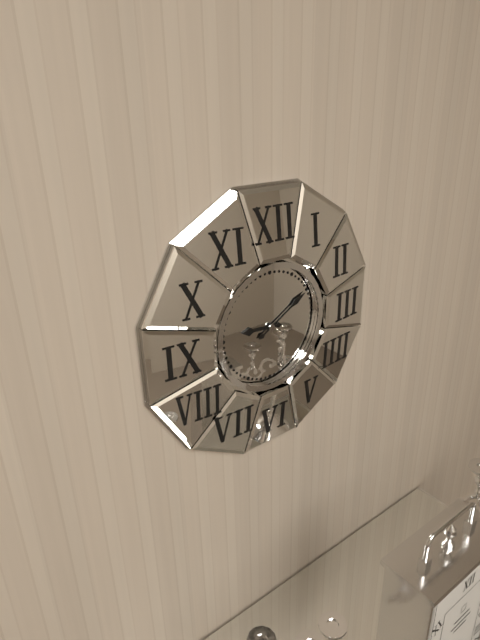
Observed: 9 h 10 min
